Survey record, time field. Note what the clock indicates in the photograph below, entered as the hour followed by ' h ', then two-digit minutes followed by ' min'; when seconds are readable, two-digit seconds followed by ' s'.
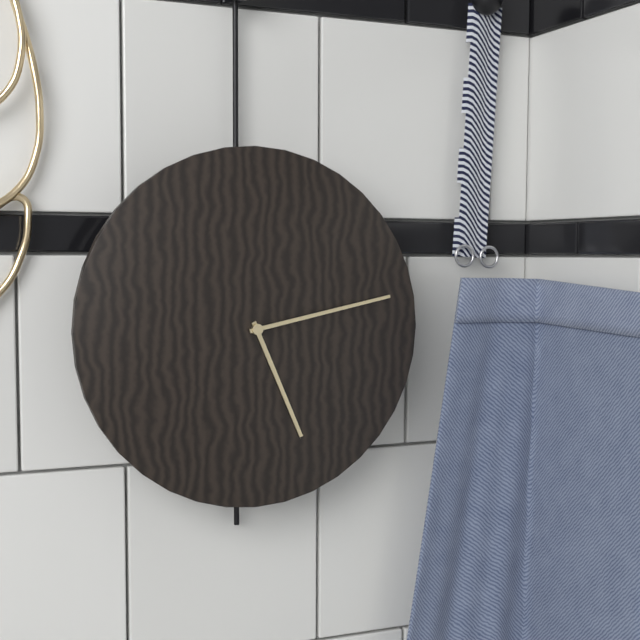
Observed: 5 h 13 min
